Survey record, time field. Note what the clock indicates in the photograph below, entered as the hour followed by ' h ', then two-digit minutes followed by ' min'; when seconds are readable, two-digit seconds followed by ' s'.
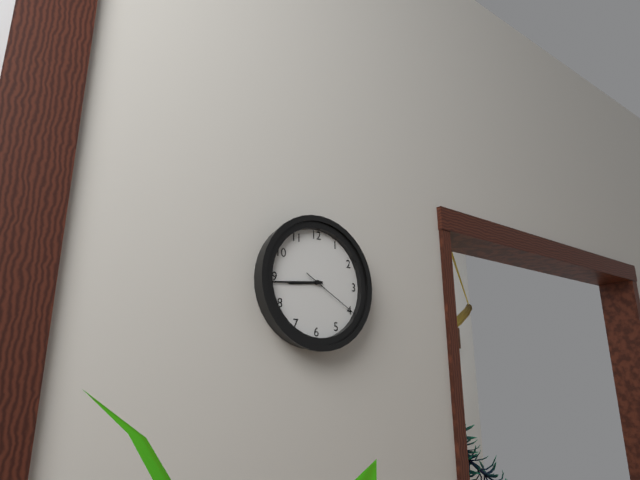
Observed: 8 h 44 min 20 s
